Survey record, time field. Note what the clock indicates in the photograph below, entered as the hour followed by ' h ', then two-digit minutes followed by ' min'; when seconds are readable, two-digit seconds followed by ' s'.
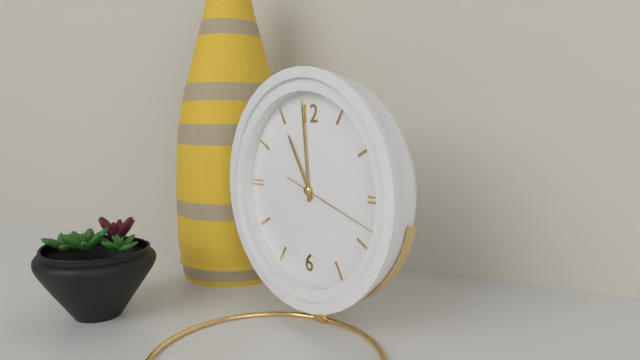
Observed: 10 h 59 min 18 s
